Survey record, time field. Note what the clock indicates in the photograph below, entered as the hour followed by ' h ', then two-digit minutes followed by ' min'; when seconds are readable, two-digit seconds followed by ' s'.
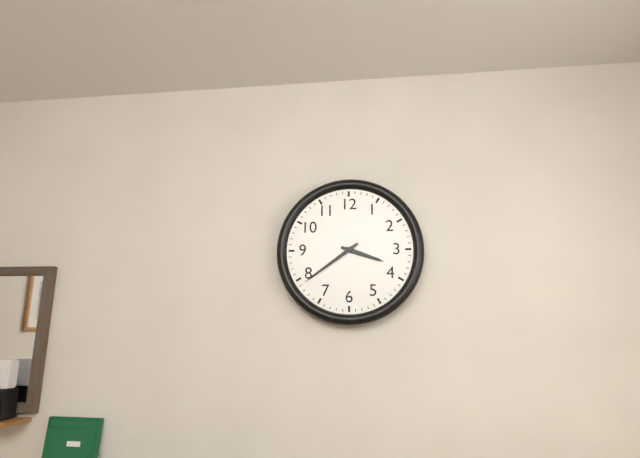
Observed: 3 h 39 min
